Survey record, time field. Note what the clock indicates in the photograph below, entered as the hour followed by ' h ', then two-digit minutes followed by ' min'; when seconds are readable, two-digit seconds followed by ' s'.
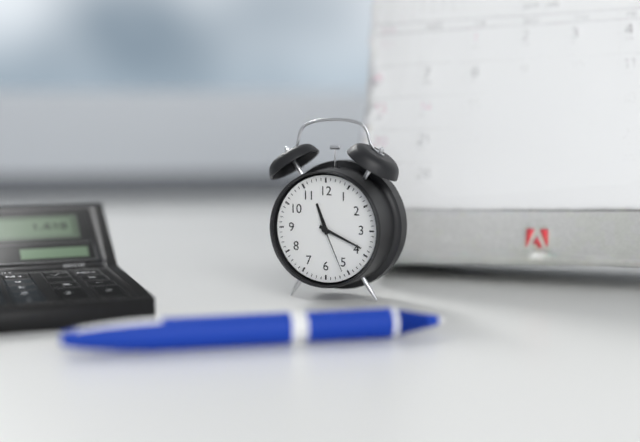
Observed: 11 h 19 min 26 s
